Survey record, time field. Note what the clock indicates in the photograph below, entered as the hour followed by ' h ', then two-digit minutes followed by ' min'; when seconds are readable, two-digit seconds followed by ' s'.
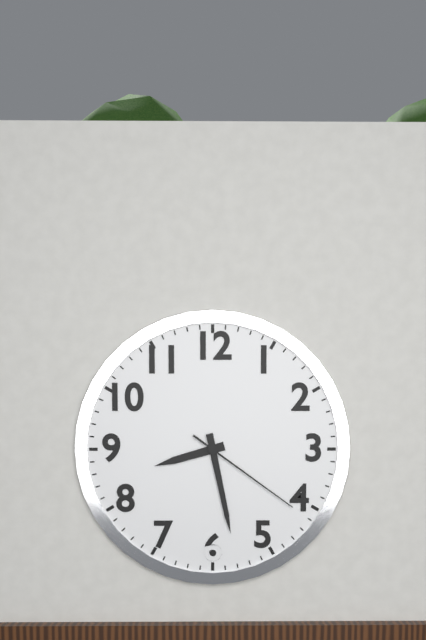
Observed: 8 h 28 min 21 s
